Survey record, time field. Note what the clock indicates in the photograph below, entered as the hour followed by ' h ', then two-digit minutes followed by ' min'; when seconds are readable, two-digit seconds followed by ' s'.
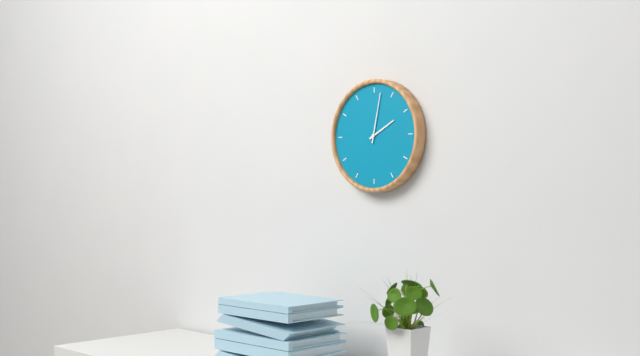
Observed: 2 h 02 min
